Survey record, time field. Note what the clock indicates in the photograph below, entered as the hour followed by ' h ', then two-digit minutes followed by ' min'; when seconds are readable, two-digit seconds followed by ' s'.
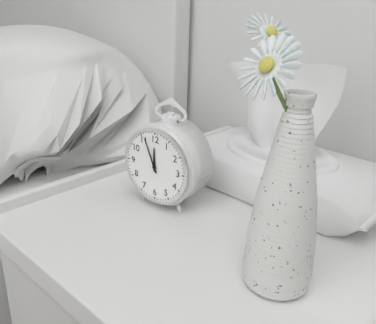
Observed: 11 h 56 min
